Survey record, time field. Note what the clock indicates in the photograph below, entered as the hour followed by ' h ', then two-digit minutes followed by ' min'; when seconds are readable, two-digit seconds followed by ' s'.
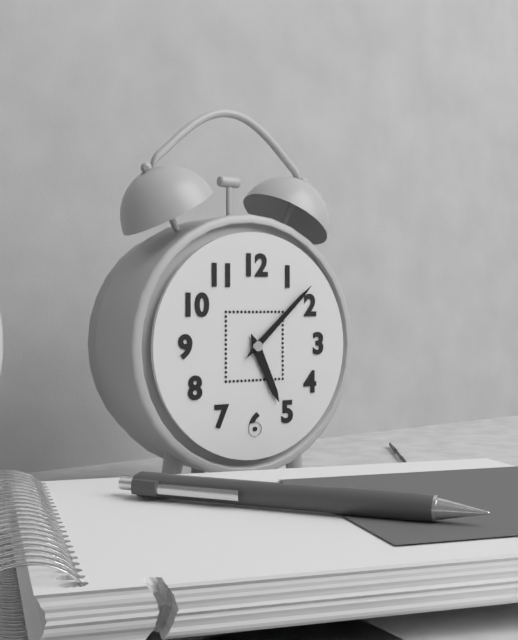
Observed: 5 h 08 min
